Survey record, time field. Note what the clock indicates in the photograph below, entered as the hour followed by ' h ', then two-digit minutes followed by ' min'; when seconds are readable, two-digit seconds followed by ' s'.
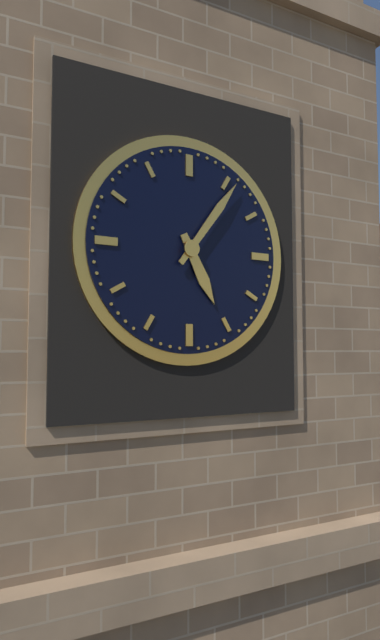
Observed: 5 h 06 min
